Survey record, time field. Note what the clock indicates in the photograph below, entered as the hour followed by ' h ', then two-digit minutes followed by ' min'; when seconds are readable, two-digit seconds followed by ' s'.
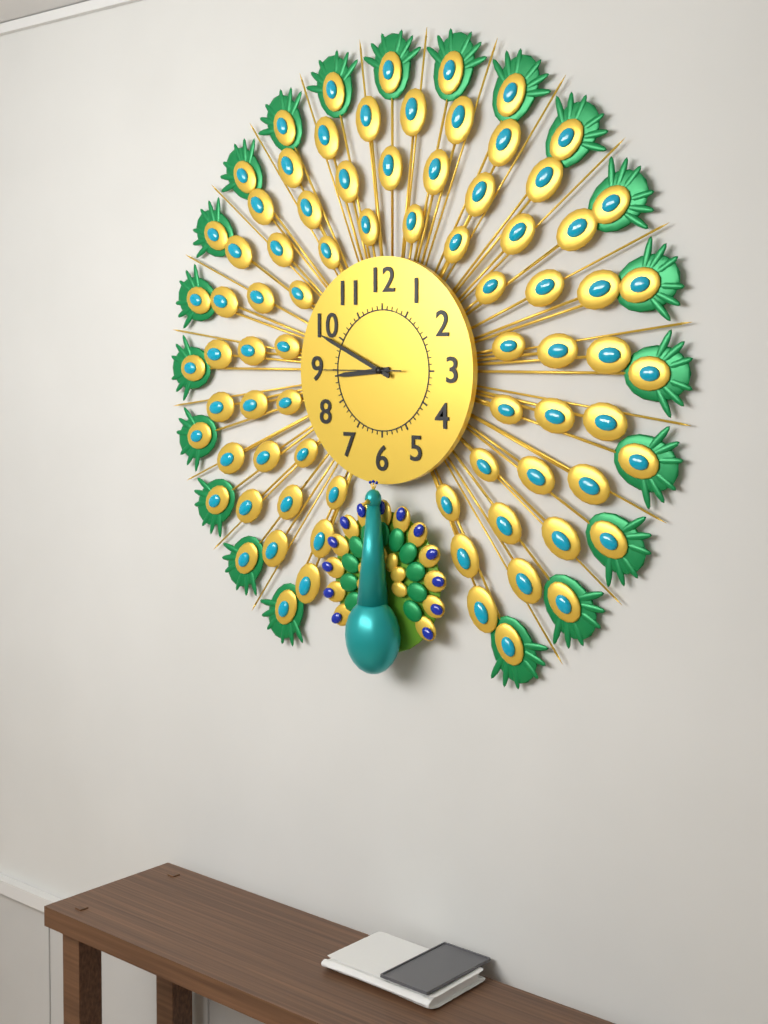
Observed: 8 h 49 min 45 s
